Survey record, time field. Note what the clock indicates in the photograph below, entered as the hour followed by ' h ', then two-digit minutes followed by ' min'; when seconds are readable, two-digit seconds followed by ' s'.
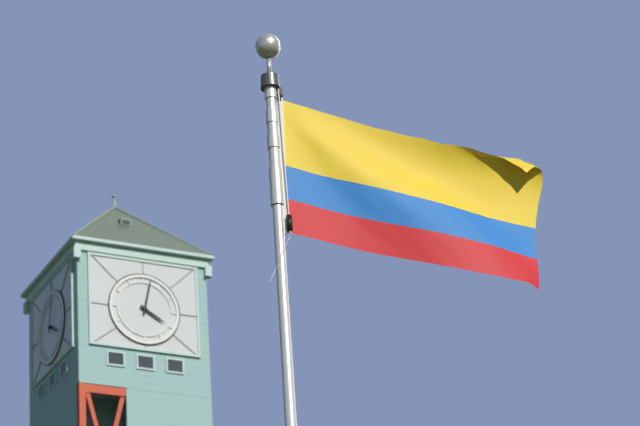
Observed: 4 h 02 min
